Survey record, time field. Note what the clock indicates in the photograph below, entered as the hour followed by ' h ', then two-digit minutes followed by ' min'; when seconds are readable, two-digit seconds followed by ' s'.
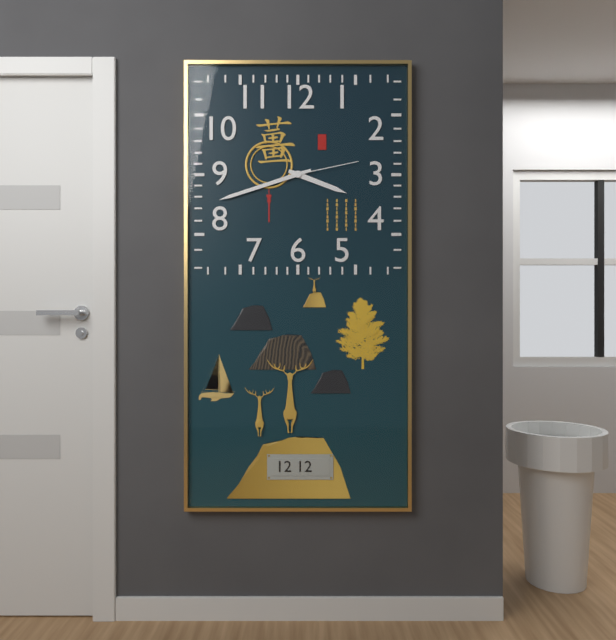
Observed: 3 h 42 min 13 s
